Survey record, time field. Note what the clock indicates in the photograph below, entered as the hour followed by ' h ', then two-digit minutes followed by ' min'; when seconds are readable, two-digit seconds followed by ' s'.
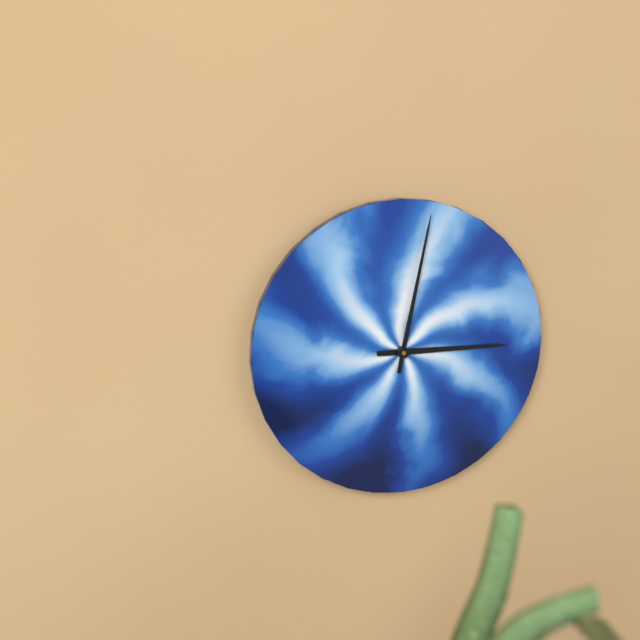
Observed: 3 h 02 min
